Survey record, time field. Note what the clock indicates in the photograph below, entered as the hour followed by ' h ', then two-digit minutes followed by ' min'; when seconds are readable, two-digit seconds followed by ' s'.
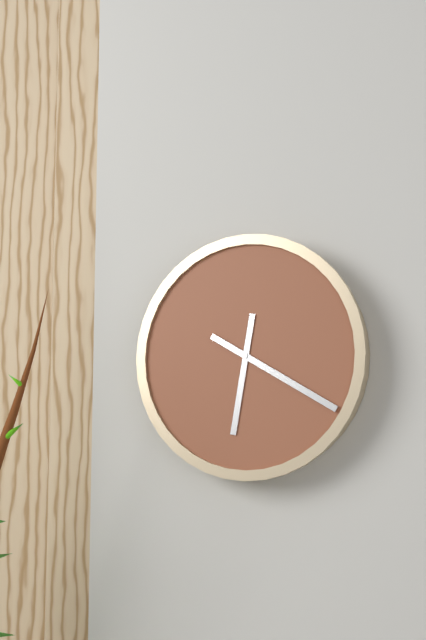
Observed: 6 h 20 min
